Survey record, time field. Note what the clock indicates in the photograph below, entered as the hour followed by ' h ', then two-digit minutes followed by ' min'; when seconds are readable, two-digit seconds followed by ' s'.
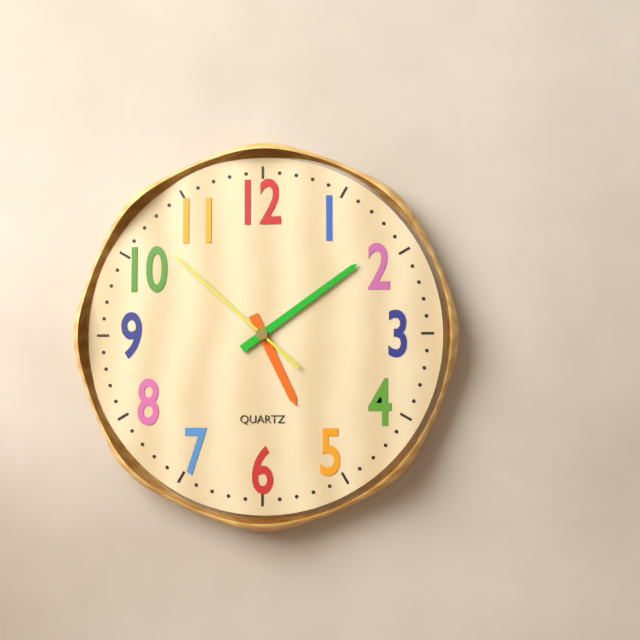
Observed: 5 h 09 min 52 s
